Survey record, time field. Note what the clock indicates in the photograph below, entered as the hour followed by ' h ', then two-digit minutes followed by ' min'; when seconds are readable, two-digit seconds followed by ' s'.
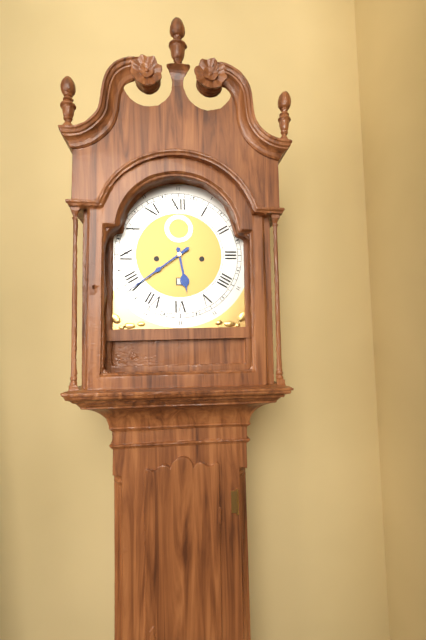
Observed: 5 h 39 min
